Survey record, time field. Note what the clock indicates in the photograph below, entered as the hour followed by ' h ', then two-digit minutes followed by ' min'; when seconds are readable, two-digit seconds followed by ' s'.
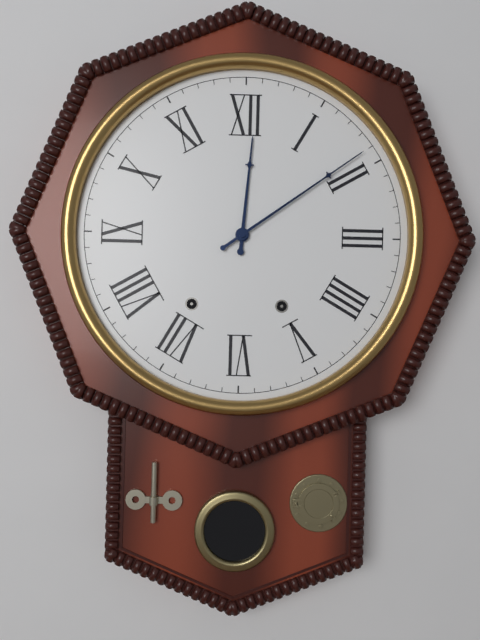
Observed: 12 h 09 min
